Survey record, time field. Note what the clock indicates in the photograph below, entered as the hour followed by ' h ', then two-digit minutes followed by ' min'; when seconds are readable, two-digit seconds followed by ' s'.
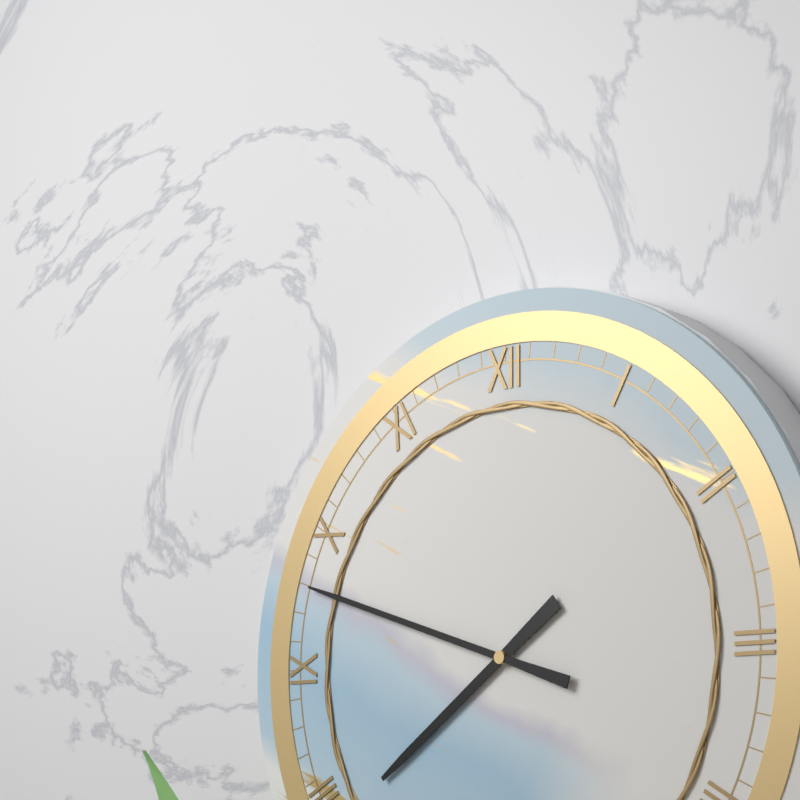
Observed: 7 h 48 min
